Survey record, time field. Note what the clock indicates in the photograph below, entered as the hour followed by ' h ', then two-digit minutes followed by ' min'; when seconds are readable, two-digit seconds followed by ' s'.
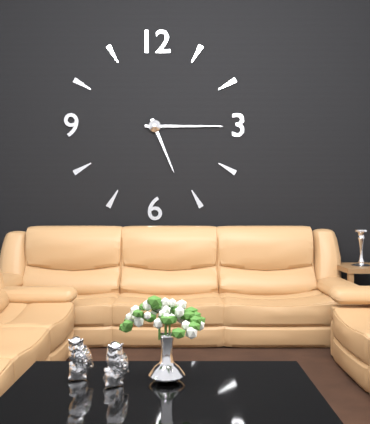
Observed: 5 h 15 min
